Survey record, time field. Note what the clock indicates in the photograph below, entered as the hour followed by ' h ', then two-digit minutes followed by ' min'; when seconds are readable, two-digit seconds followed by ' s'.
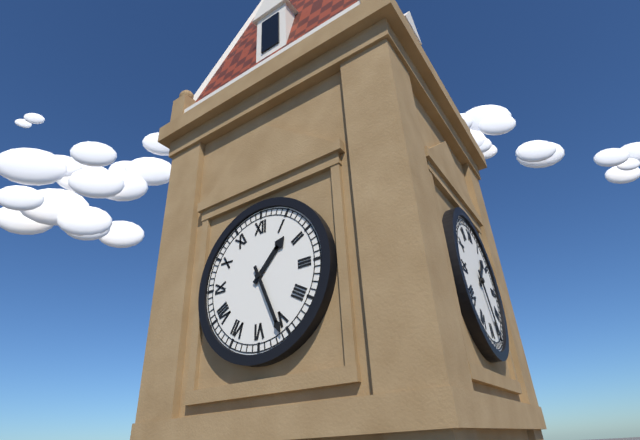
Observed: 1 h 26 min
